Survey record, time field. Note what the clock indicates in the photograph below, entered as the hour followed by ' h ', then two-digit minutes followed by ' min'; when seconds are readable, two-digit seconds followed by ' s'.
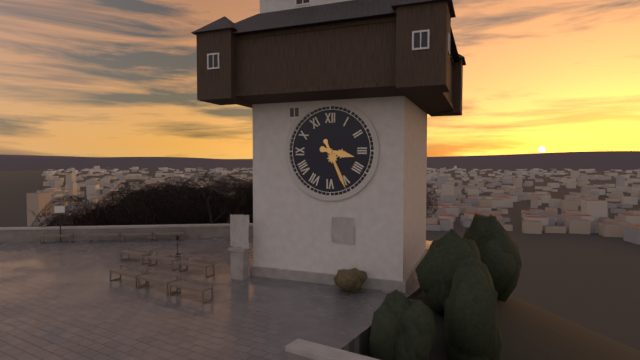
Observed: 3 h 26 min
